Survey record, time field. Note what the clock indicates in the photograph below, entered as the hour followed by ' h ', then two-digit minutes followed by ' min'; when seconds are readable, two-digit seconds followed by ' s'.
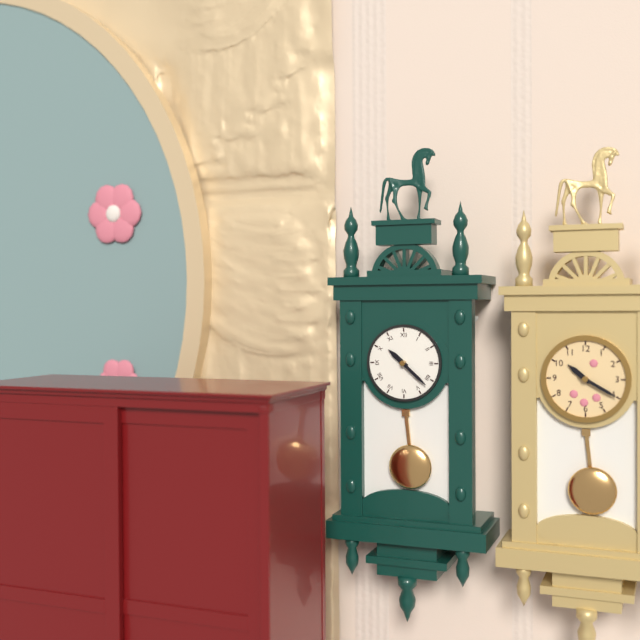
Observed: 10 h 22 min
